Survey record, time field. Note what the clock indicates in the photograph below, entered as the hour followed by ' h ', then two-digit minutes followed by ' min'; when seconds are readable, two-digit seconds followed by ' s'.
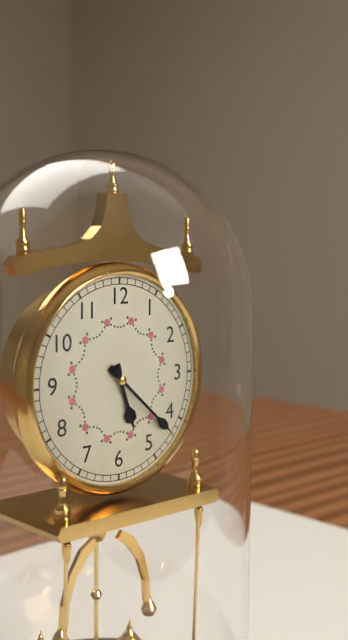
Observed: 5 h 22 min
